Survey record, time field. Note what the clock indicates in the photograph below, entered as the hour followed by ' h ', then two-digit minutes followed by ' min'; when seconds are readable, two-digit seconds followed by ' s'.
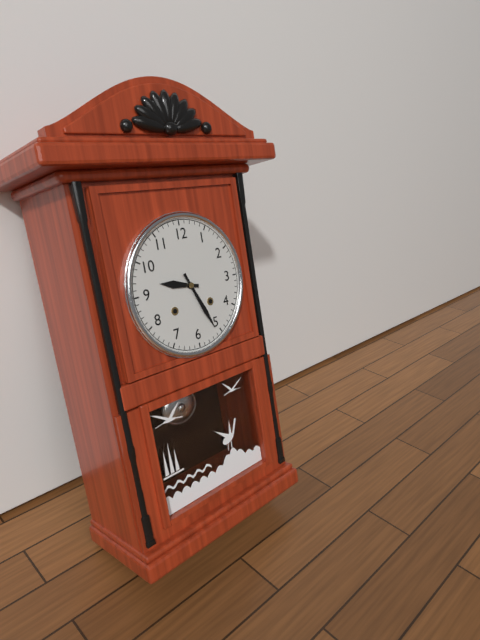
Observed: 9 h 26 min
